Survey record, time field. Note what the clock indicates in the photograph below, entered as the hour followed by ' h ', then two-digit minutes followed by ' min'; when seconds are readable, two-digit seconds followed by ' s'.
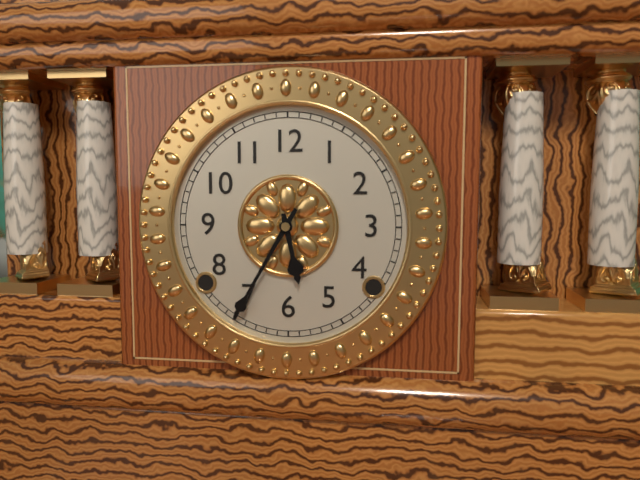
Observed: 5 h 35 min
